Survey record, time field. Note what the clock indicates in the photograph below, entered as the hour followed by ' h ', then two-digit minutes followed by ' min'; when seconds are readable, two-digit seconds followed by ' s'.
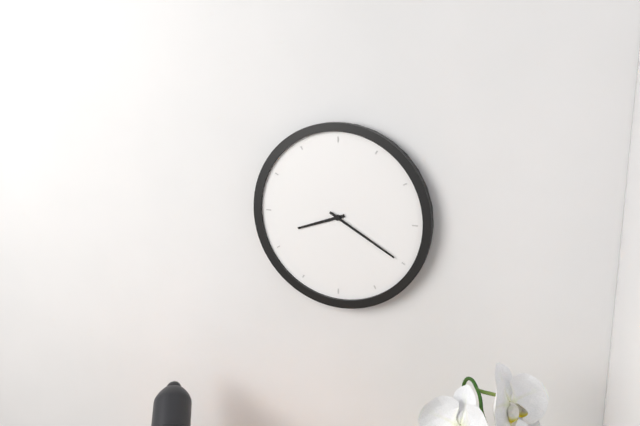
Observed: 8 h 20 min
